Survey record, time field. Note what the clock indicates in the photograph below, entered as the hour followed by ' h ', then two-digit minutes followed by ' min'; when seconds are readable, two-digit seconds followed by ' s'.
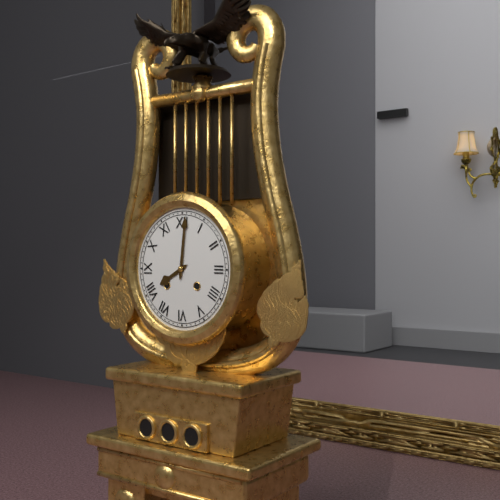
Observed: 8 h 01 min
